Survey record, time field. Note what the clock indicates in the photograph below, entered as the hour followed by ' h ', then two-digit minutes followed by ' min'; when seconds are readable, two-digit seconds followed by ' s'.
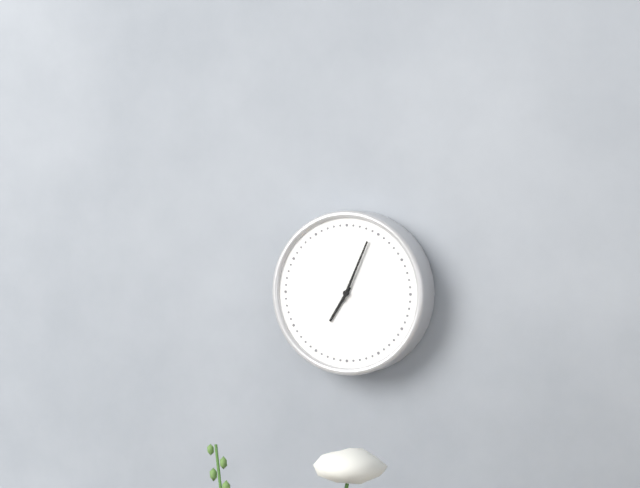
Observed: 7 h 04 min
